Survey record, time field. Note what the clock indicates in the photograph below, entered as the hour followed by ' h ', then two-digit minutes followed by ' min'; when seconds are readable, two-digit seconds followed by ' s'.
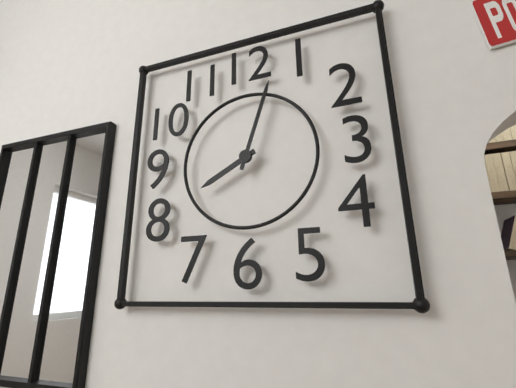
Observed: 8 h 03 min
